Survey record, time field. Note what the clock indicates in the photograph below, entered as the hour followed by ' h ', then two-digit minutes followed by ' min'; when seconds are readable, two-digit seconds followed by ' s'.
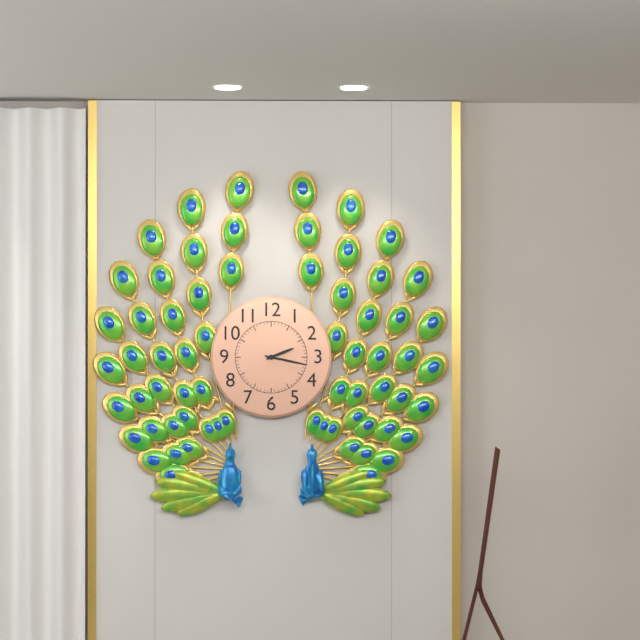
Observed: 2 h 17 min
